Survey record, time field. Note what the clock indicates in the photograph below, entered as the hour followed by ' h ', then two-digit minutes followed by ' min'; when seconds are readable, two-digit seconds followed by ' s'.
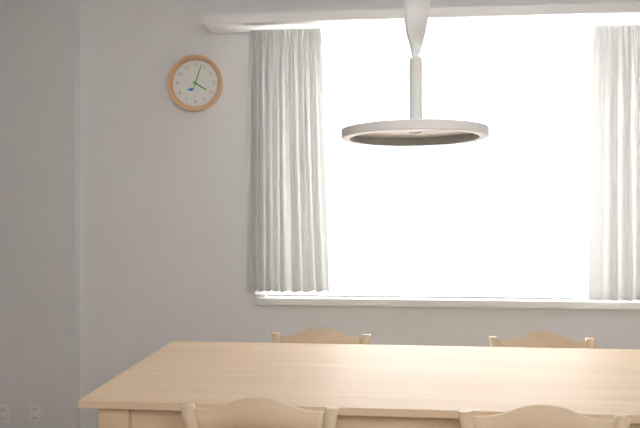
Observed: 4 h 03 min
